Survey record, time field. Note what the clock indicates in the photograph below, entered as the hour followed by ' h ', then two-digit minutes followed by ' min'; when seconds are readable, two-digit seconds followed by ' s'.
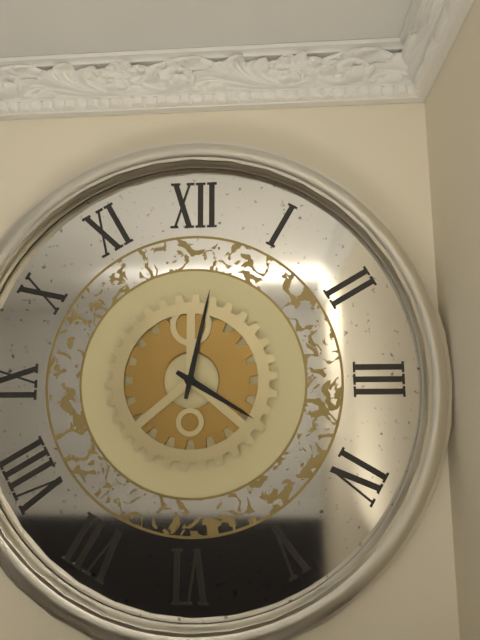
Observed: 4 h 02 min
